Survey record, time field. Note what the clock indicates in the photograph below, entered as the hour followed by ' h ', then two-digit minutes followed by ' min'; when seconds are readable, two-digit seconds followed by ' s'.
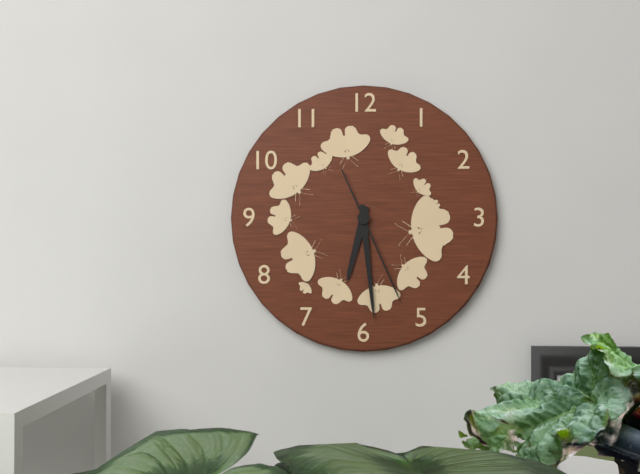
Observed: 6 h 29 min 26 s
